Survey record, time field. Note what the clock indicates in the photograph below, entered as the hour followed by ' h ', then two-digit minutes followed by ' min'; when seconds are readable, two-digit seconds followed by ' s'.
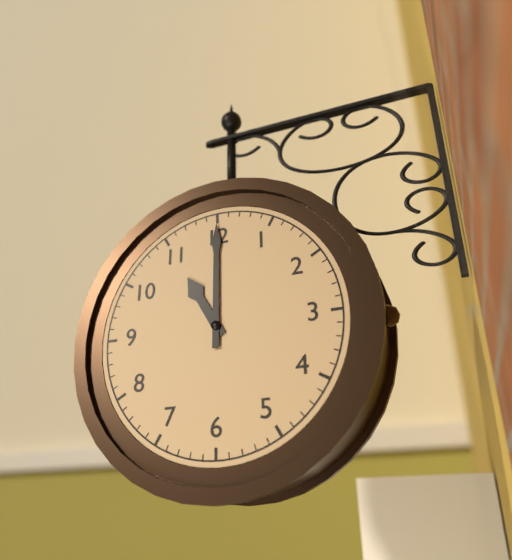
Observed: 11 h 00 min
